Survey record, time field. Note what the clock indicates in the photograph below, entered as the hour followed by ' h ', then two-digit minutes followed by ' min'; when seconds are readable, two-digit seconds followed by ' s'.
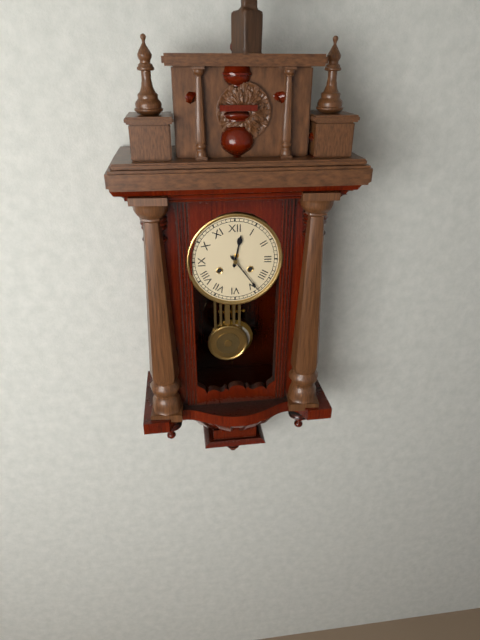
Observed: 12 h 24 min
